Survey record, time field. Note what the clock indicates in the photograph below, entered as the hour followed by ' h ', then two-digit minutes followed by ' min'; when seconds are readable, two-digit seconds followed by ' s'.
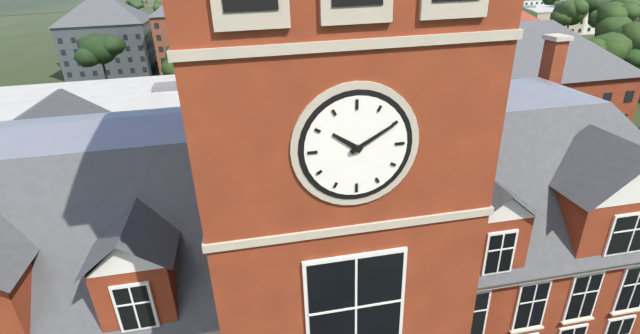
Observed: 10 h 10 min
